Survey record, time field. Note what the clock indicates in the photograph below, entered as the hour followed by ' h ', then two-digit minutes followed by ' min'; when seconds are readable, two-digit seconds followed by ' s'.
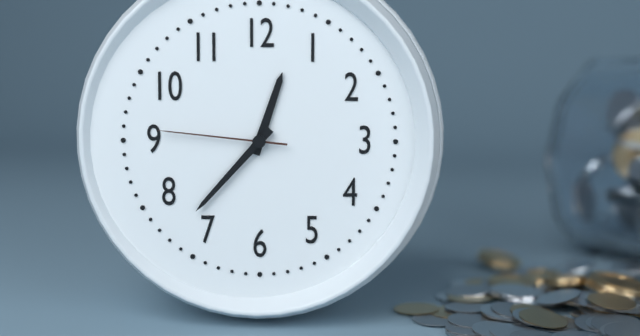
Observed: 12 h 37 min 46 s
